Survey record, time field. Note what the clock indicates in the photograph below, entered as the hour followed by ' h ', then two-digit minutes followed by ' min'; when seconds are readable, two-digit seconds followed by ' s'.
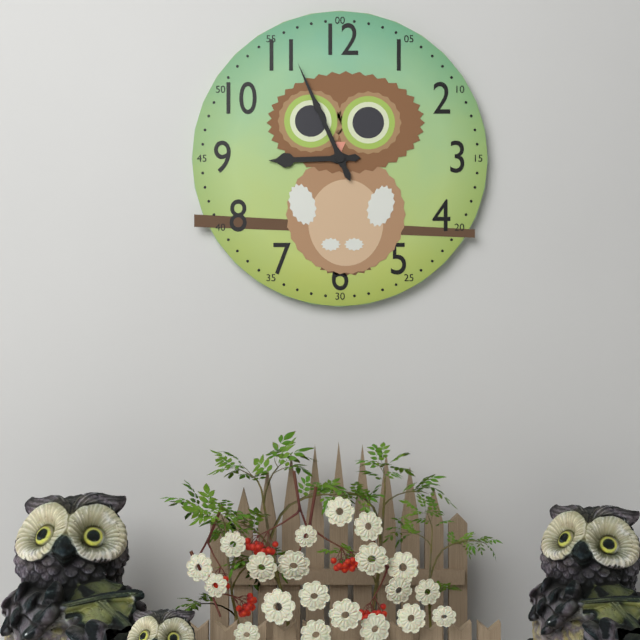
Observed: 8 h 56 min
